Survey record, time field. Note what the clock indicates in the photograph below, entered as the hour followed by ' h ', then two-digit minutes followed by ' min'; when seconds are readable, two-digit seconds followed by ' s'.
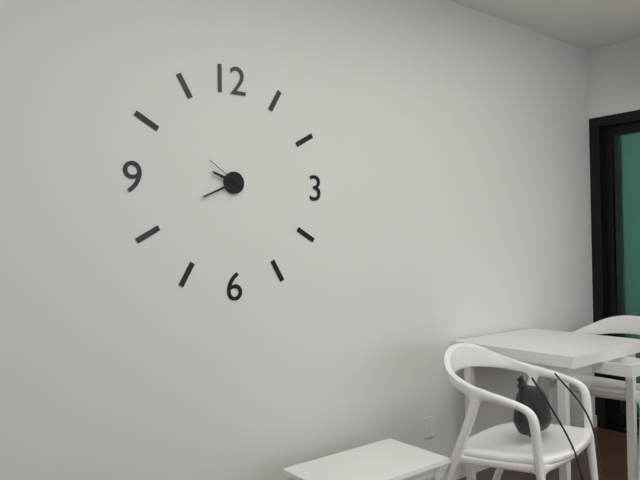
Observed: 9 h 41 min
